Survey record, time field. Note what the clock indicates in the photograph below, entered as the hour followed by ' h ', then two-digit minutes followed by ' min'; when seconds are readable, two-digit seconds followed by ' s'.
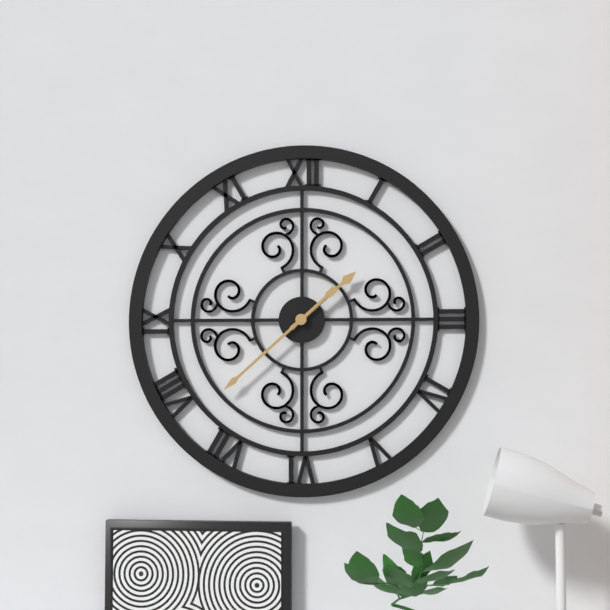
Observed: 1 h 38 min
